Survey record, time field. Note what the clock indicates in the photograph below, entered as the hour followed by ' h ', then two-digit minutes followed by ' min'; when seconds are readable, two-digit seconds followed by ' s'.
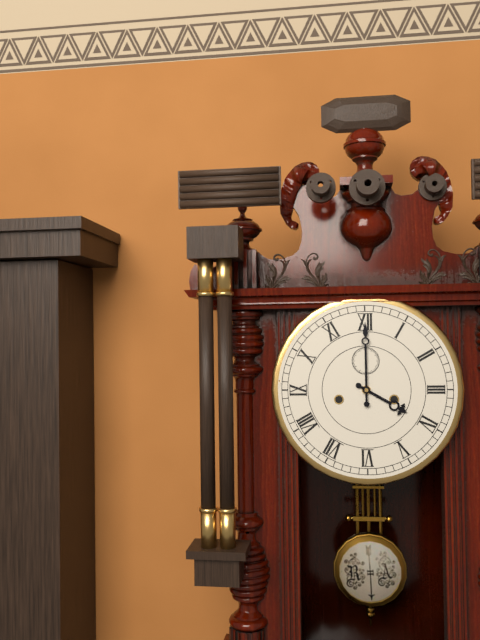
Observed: 4 h 00 min
